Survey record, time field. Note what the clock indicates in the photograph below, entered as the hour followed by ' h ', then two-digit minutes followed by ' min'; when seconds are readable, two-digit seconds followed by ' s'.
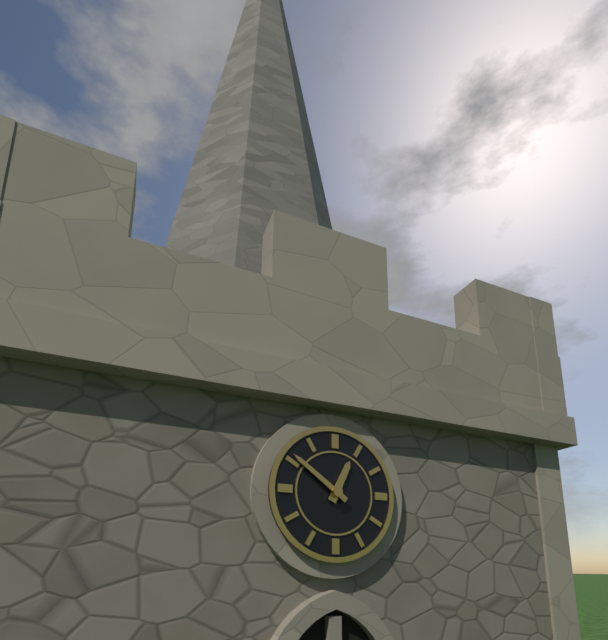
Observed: 12 h 51 min
